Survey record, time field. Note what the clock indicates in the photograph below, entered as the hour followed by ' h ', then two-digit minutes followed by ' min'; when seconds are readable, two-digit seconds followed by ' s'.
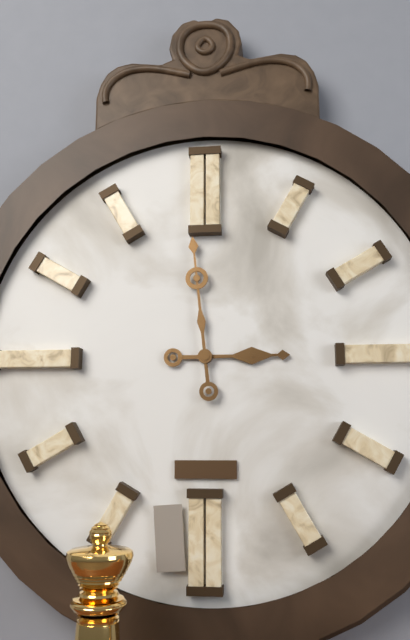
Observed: 2 h 59 min
